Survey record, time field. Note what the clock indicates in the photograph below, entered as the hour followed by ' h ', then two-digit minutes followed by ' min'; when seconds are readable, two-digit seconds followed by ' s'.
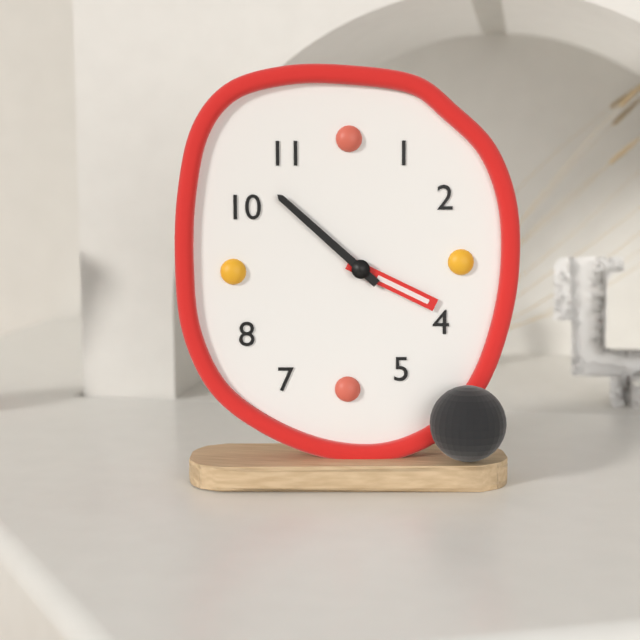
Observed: 3 h 52 min
